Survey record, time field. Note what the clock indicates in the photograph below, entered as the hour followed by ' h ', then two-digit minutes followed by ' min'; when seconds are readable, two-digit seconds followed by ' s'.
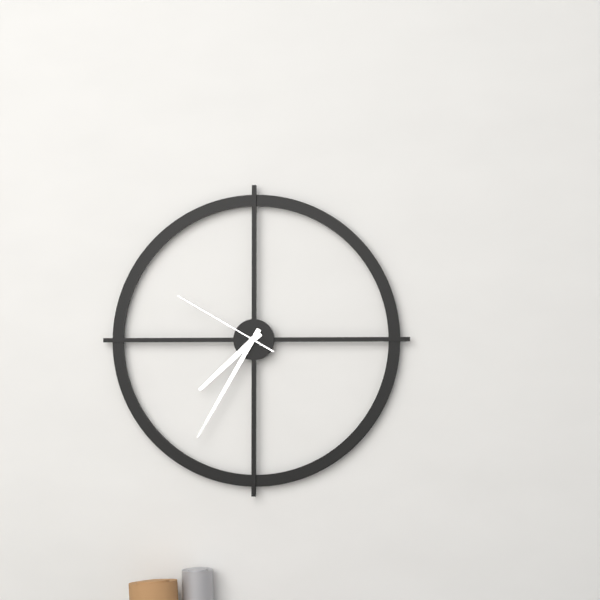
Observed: 7 h 35 min 50 s
